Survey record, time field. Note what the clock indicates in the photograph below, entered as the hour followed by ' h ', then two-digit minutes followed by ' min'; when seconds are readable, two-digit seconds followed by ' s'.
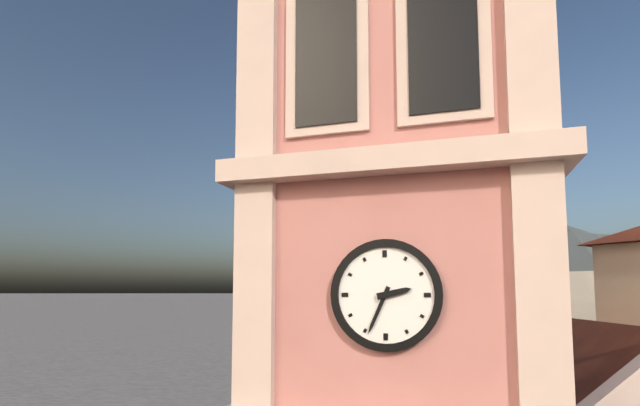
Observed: 2 h 34 min
